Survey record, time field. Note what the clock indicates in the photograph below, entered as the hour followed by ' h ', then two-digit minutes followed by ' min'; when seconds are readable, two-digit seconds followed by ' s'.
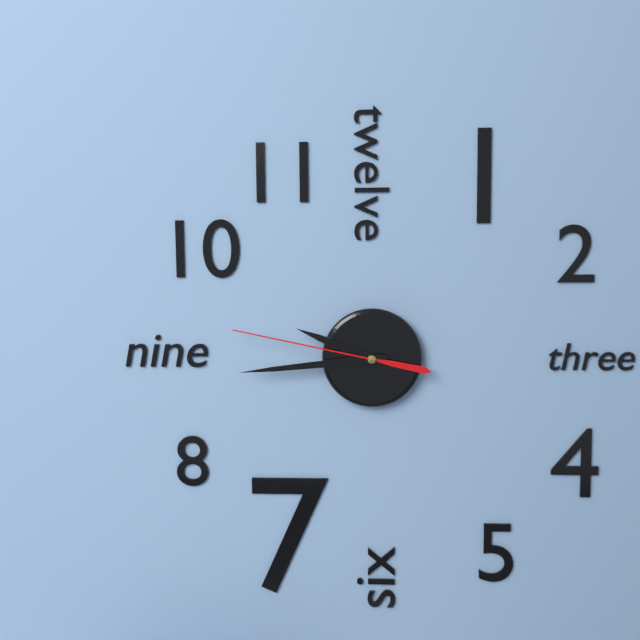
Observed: 9 h 44 min 47 s
